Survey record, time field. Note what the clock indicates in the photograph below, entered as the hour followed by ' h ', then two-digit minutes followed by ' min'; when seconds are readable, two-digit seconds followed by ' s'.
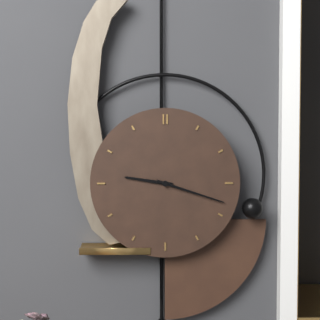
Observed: 9 h 18 min
